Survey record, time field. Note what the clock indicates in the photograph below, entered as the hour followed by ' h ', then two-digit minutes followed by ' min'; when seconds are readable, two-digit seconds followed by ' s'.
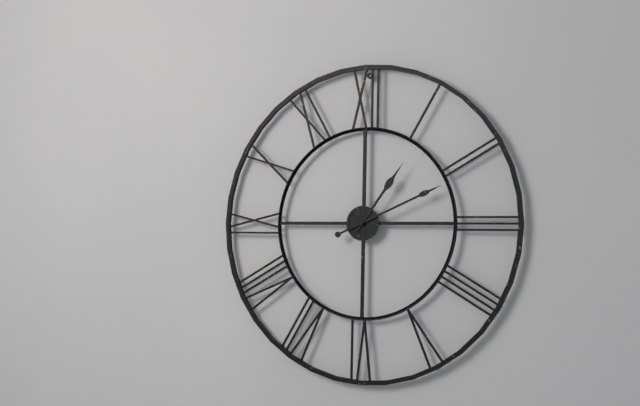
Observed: 1 h 11 min
